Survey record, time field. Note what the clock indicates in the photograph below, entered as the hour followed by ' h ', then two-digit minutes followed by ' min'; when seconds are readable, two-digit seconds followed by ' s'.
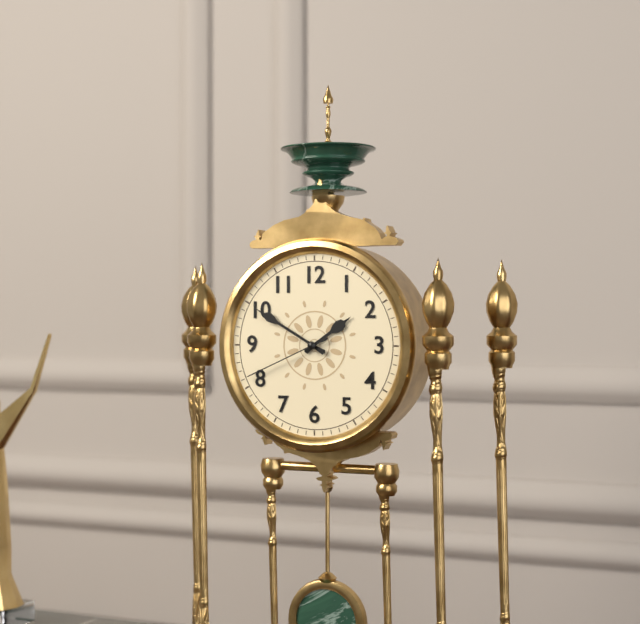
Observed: 1 h 50 min 41 s
